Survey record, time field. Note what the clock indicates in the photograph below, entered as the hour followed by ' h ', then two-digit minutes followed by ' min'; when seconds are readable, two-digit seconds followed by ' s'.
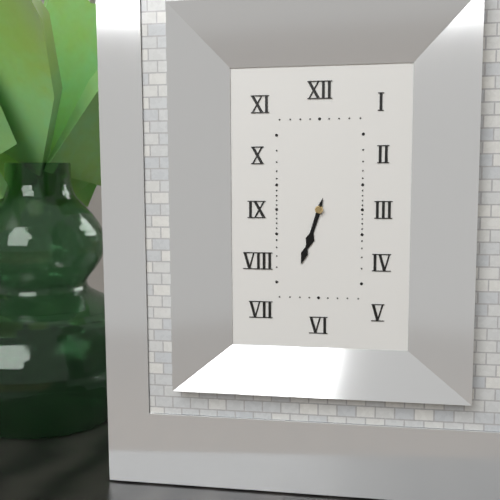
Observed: 6 h 33 min
